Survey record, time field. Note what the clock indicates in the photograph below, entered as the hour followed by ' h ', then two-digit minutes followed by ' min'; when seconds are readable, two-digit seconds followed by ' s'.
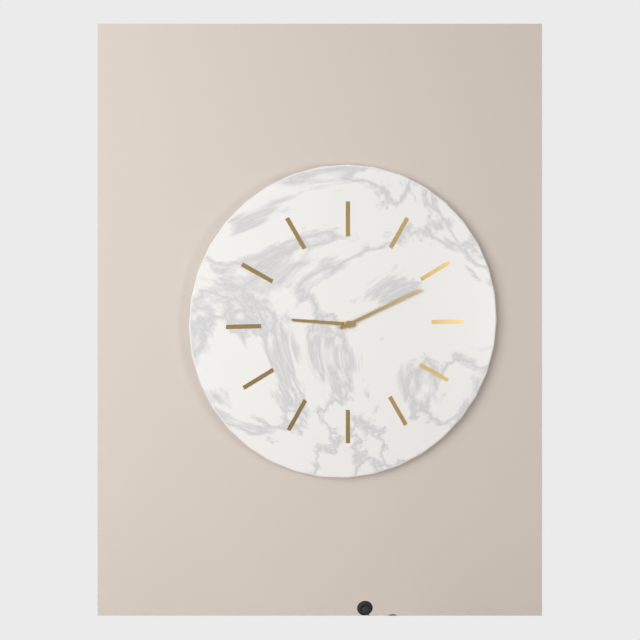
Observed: 9 h 11 min
